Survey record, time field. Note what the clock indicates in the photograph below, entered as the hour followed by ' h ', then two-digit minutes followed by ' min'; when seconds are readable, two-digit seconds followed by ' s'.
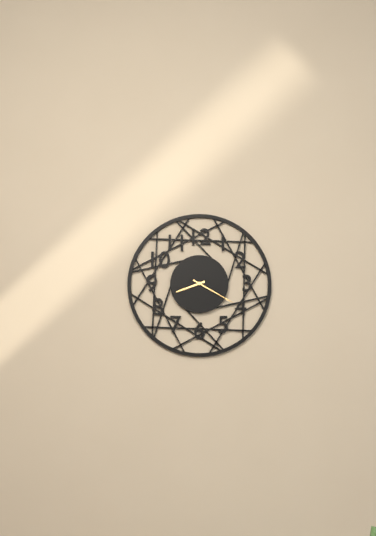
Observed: 8 h 20 min
